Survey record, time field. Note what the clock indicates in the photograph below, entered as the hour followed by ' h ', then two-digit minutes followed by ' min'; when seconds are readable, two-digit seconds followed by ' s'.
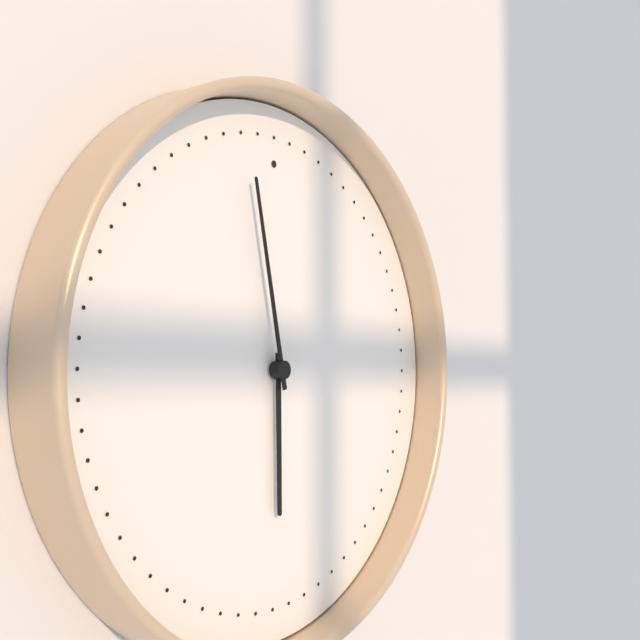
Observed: 5 h 58 min
